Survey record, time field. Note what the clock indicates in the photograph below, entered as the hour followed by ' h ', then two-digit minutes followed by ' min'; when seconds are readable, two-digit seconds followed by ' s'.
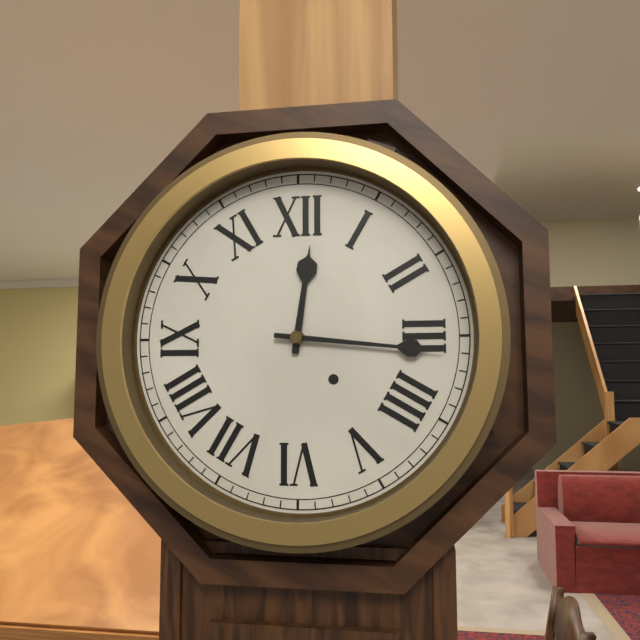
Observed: 12 h 16 min
